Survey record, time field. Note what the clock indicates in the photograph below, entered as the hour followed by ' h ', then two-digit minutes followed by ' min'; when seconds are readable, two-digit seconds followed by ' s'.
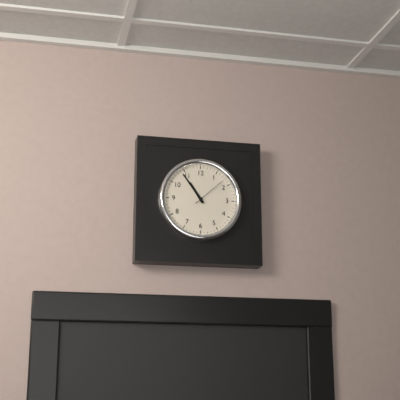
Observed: 10 h 54 min
